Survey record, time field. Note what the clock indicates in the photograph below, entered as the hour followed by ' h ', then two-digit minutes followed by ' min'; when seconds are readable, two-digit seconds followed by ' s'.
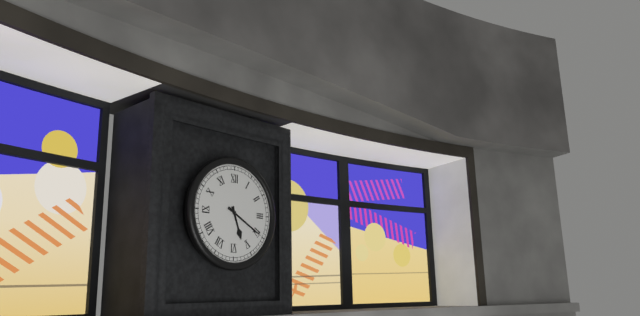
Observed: 5 h 20 min
